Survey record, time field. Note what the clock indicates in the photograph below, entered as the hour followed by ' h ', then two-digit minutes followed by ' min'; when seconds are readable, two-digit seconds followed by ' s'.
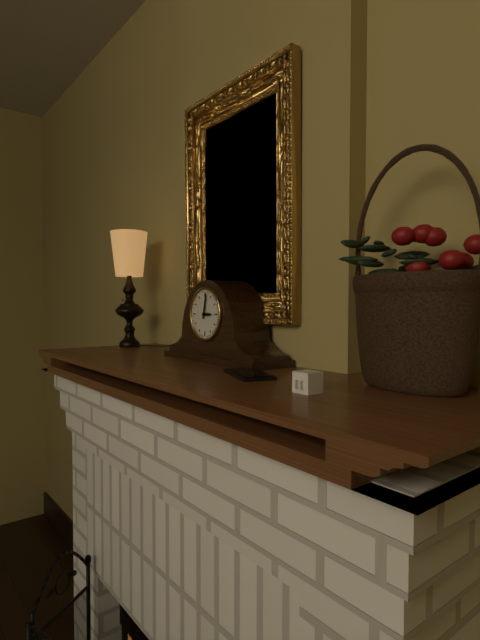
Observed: 3 h 02 min
